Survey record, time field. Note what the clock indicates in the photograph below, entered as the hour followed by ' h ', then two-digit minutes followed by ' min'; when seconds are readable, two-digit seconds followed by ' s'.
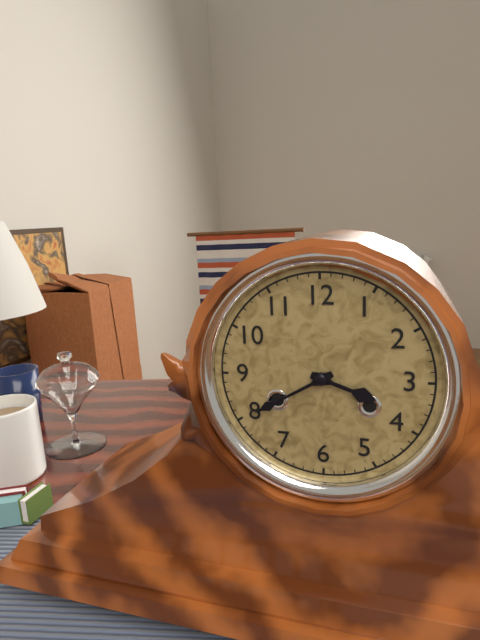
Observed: 3 h 40 min
